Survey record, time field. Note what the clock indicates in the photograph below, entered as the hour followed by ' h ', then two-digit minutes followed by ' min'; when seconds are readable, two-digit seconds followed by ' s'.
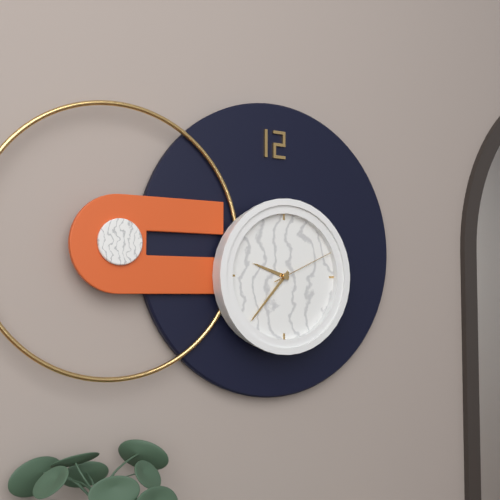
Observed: 9 h 37 min 11 s
